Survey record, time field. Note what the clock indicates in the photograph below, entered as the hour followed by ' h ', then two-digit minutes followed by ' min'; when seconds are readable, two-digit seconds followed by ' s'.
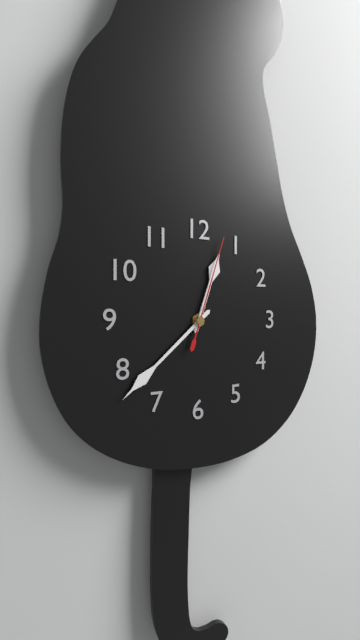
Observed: 12 h 38 min 03 s
